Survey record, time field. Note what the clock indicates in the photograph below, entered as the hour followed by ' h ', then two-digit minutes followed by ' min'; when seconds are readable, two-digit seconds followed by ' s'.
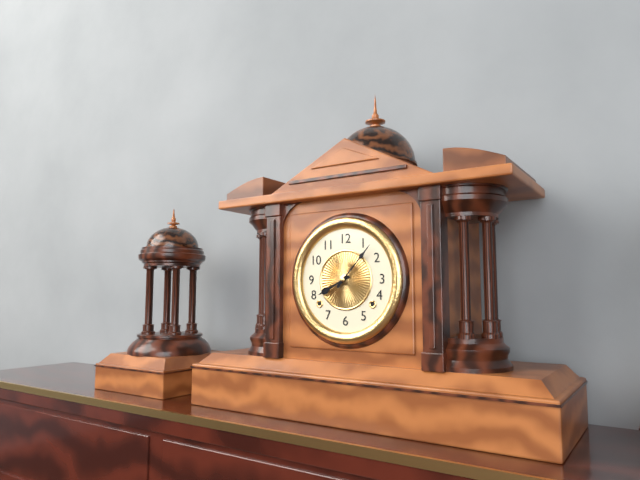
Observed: 8 h 07 min
